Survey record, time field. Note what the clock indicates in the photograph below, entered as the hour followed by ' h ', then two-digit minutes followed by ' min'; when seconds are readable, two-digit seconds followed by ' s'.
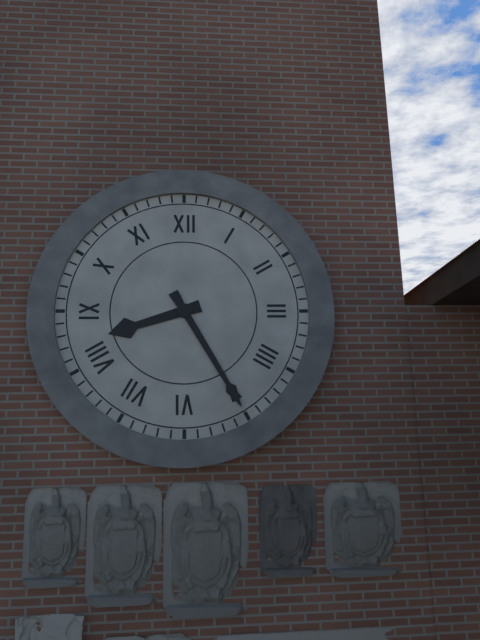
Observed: 8 h 25 min
